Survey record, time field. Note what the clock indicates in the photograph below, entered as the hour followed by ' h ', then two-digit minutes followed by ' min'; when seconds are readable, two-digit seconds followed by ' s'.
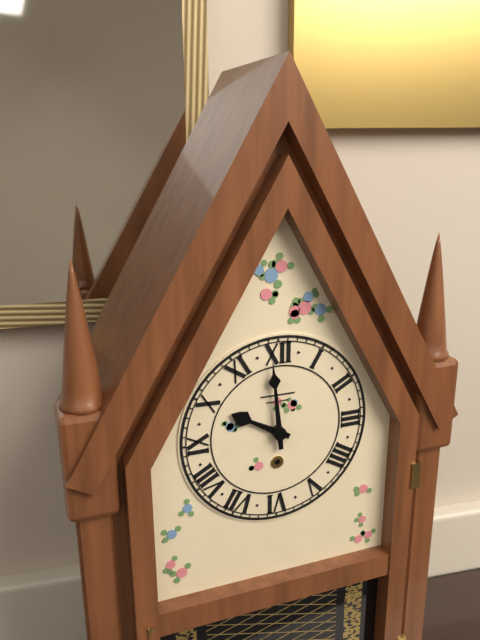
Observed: 9 h 59 min
